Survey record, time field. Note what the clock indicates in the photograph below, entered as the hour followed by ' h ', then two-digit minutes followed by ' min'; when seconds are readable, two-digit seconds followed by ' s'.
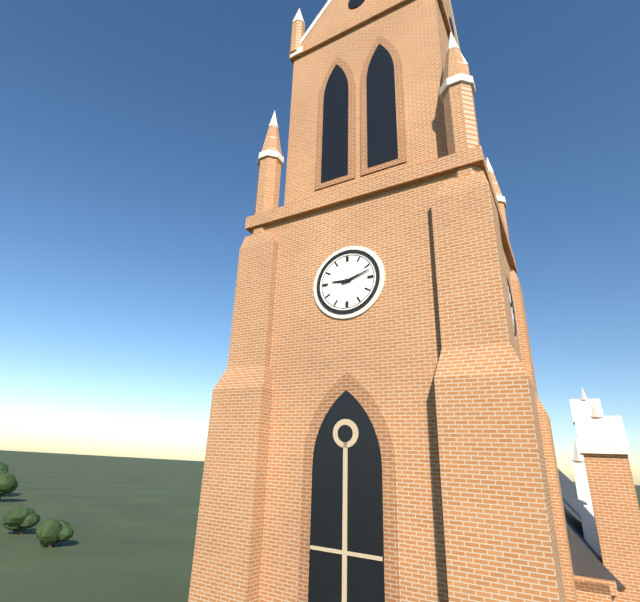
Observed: 9 h 12 min
